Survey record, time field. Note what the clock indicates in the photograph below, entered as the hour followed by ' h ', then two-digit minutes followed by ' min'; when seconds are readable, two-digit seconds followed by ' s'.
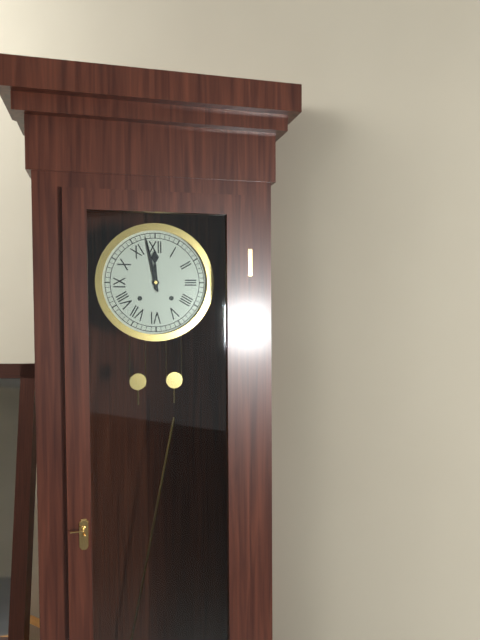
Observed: 11 h 58 min
